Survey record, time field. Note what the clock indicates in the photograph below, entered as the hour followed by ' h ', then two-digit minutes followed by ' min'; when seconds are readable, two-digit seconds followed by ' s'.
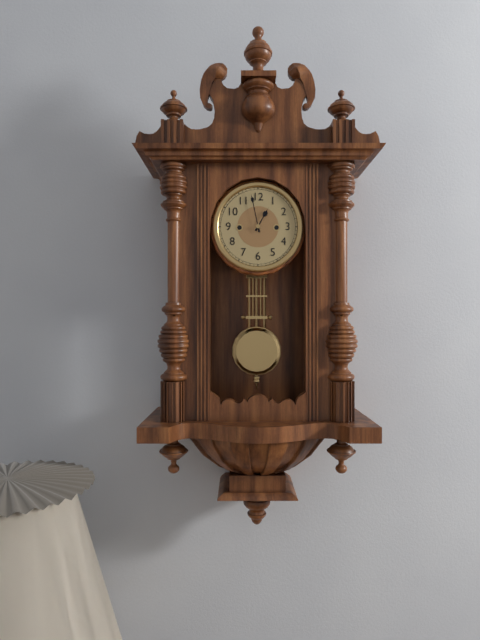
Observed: 12 h 58 min
